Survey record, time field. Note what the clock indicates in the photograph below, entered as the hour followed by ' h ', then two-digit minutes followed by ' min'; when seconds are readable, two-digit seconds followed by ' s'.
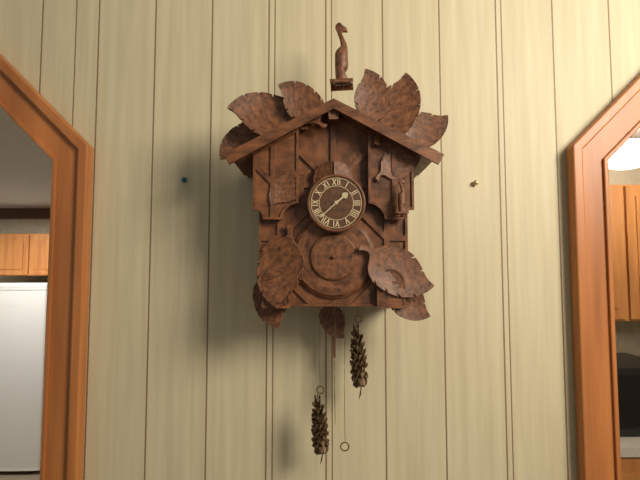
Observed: 1 h 38 min
